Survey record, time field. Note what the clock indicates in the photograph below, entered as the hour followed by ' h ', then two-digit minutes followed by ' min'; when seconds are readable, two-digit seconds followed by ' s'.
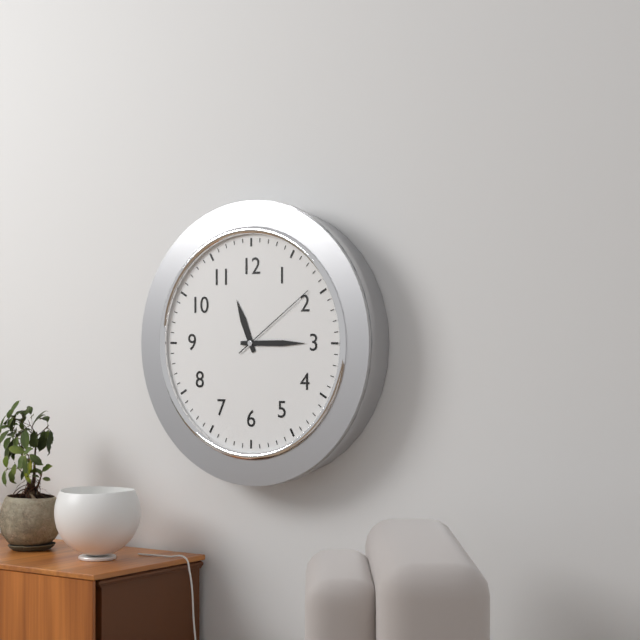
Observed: 11 h 15 min 09 s
